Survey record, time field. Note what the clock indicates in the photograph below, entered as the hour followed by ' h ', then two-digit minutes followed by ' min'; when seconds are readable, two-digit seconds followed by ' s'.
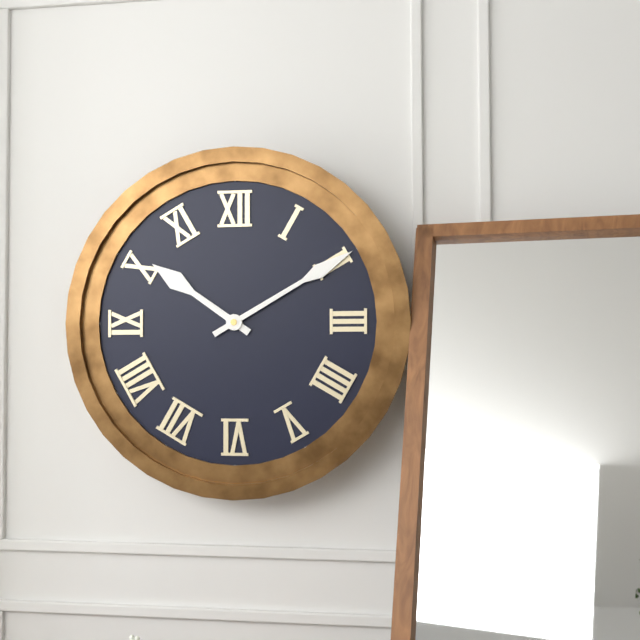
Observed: 10 h 10 min
